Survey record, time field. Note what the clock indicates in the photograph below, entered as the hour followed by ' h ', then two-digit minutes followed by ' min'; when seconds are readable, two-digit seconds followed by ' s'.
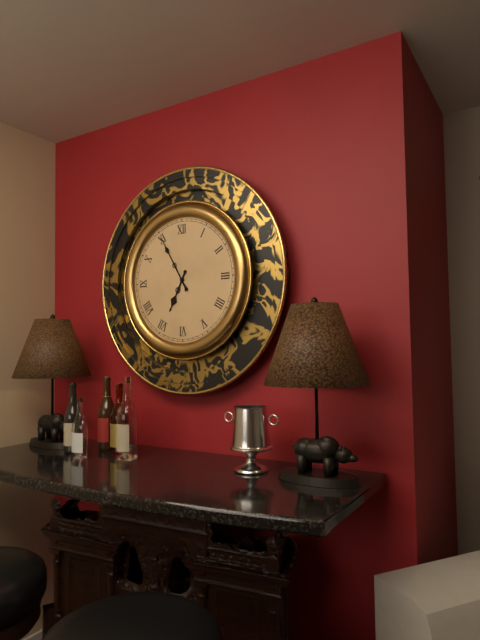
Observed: 6 h 55 min
